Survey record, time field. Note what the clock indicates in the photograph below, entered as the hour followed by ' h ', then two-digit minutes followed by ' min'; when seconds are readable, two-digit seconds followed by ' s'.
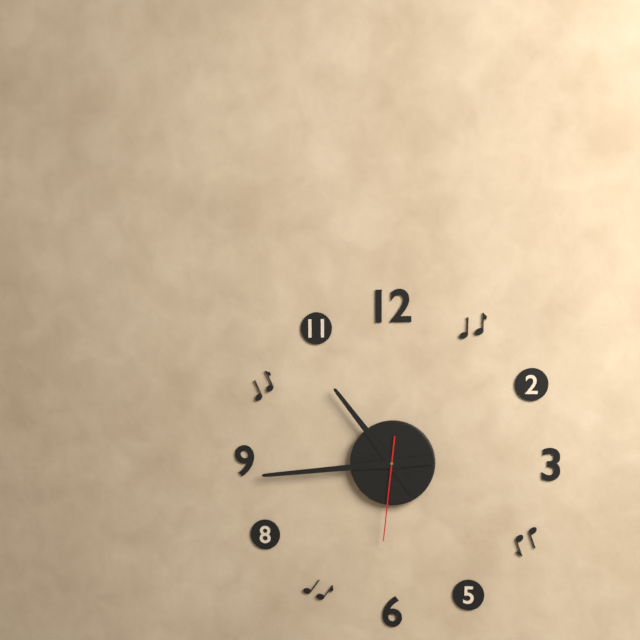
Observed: 10 h 44 min 31 s
